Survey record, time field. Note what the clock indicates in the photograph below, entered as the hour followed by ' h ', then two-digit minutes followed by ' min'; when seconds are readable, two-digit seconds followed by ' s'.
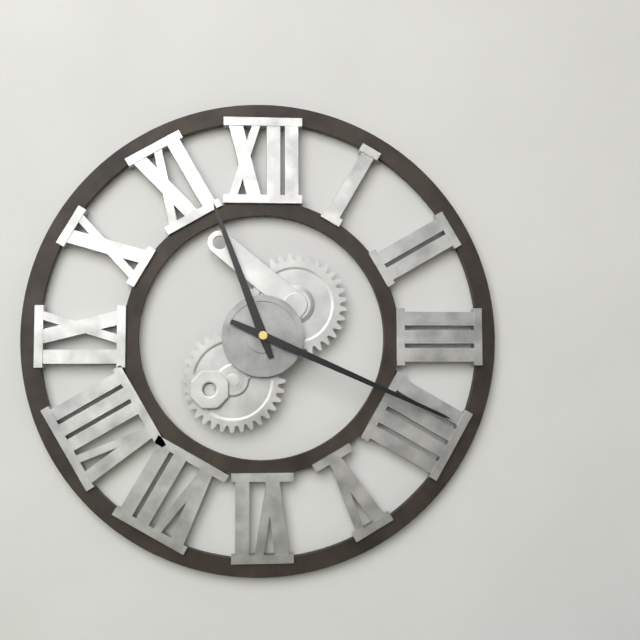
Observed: 11 h 19 min
